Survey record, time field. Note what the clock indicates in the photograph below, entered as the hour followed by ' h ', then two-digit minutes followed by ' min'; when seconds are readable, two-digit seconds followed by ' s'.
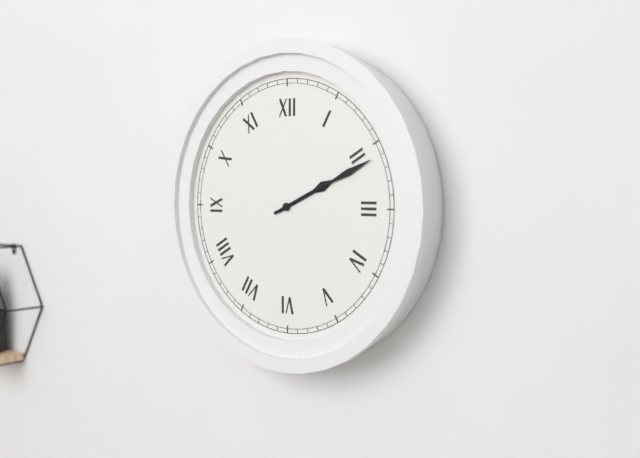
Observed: 2 h 11 min
